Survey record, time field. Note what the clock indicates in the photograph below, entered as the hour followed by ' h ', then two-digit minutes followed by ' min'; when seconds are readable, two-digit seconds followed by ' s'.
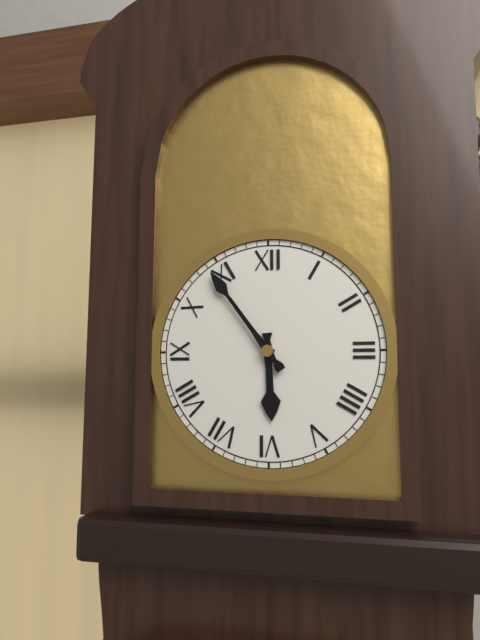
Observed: 5 h 54 min
